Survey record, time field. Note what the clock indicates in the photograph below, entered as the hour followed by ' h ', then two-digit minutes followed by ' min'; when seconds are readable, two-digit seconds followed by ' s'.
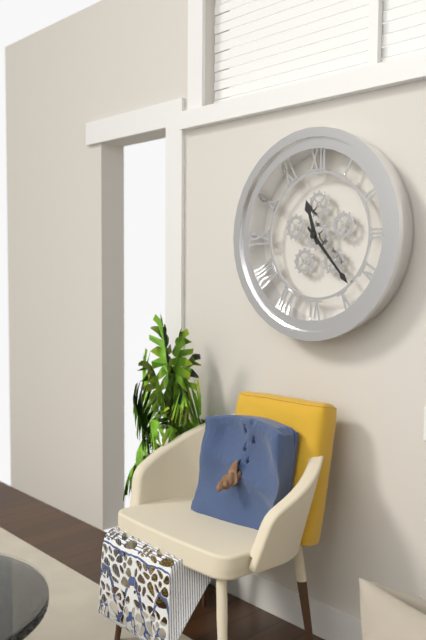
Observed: 11 h 23 min
